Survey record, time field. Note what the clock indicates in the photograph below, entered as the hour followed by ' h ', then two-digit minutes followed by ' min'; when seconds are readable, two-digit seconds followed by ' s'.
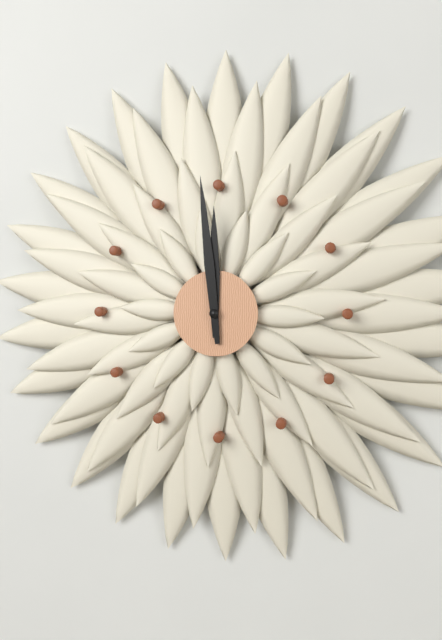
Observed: 11 h 59 min
